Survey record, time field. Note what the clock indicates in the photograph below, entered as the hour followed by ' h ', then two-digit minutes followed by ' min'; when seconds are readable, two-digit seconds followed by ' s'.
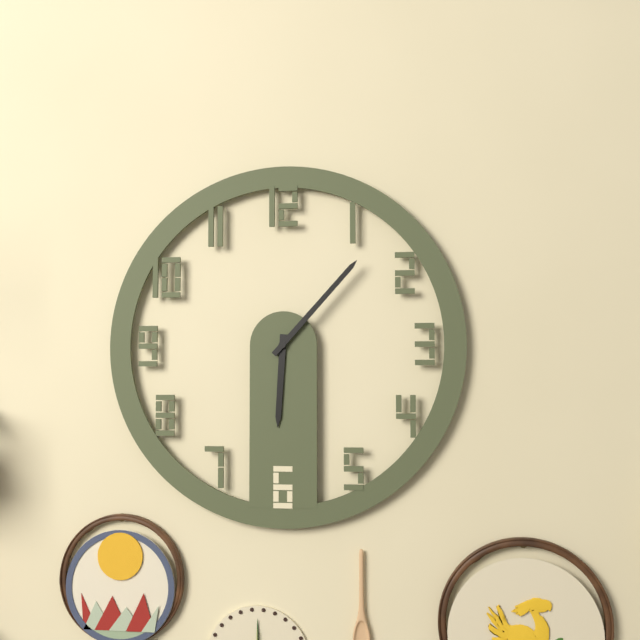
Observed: 6 h 07 min
